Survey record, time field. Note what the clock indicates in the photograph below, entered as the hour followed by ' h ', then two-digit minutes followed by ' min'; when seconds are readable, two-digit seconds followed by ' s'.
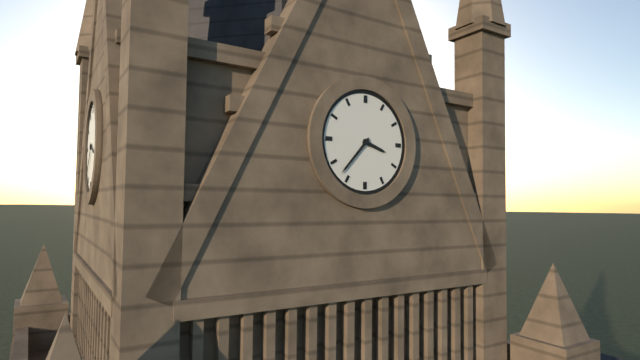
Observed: 3 h 37 min
